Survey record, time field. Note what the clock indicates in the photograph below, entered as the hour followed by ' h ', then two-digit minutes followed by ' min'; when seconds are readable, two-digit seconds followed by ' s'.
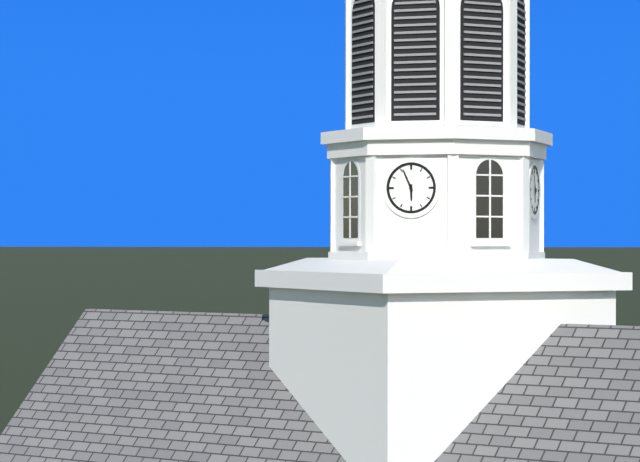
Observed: 5 h 56 min
